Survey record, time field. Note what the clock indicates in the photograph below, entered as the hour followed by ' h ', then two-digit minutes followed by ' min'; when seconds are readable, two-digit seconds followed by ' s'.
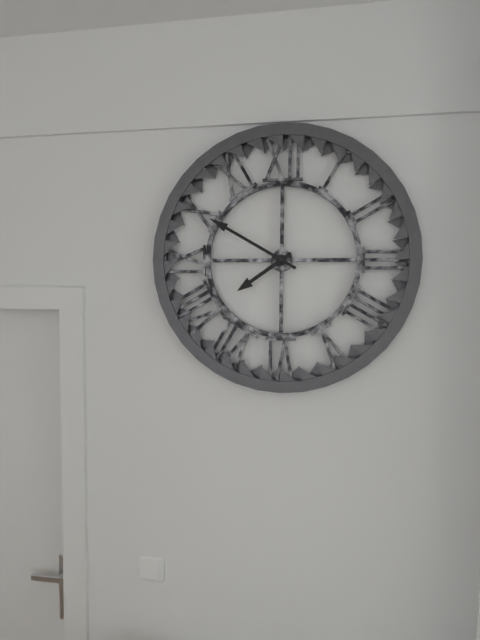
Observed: 7 h 50 min
